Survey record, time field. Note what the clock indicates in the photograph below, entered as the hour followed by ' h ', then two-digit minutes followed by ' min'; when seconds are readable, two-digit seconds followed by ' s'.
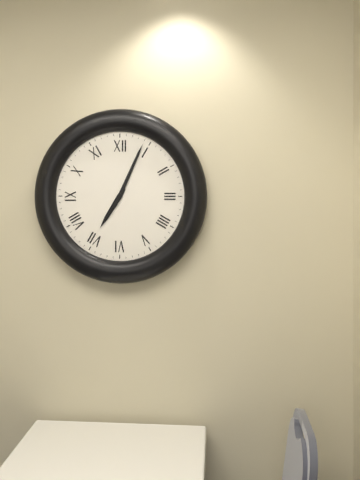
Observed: 7 h 04 min
